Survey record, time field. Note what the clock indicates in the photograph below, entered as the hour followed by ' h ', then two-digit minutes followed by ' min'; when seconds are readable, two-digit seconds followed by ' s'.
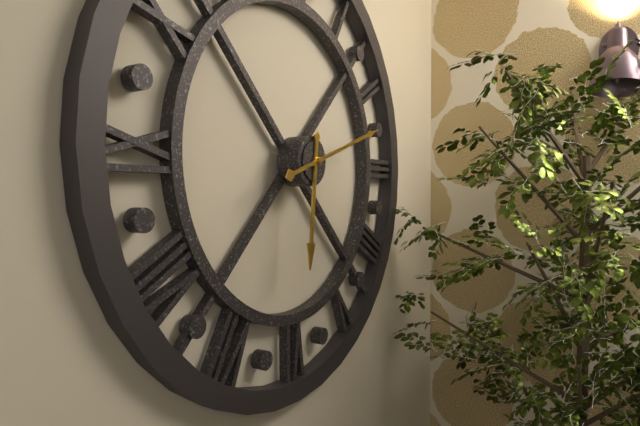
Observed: 6 h 12 min
